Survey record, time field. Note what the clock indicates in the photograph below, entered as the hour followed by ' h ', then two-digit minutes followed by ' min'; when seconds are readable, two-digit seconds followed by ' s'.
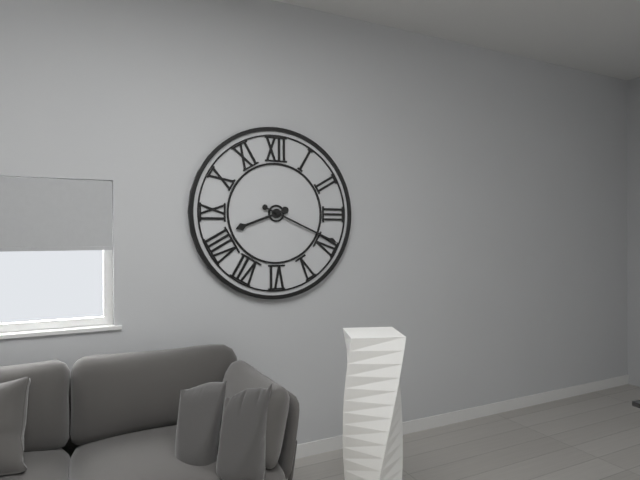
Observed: 8 h 19 min
